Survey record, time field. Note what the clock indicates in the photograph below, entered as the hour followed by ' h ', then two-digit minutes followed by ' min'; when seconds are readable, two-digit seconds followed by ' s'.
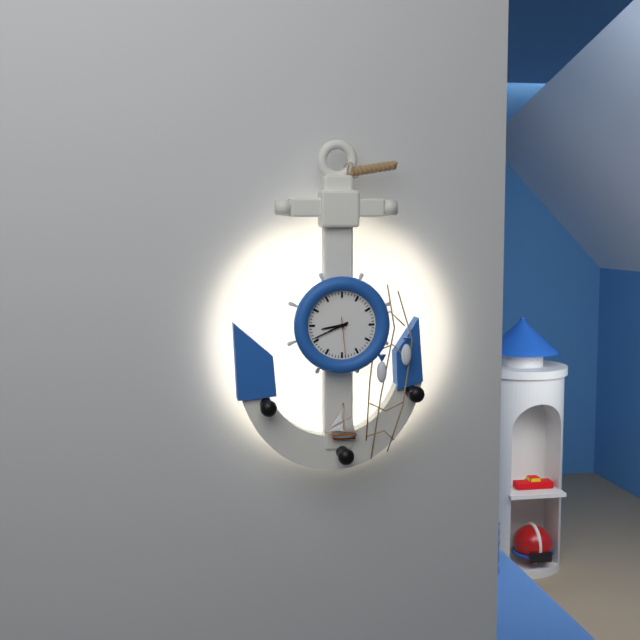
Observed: 8 h 41 min
